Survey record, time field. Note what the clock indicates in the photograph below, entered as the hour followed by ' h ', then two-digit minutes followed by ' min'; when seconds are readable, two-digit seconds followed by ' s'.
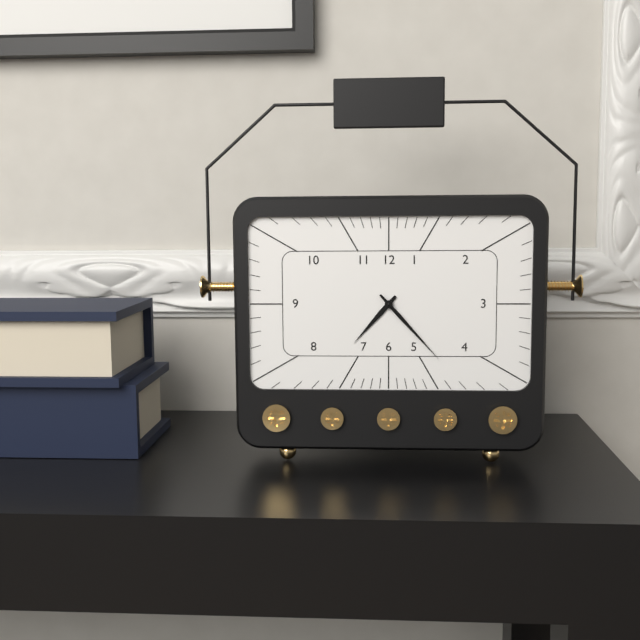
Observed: 7 h 23 min
